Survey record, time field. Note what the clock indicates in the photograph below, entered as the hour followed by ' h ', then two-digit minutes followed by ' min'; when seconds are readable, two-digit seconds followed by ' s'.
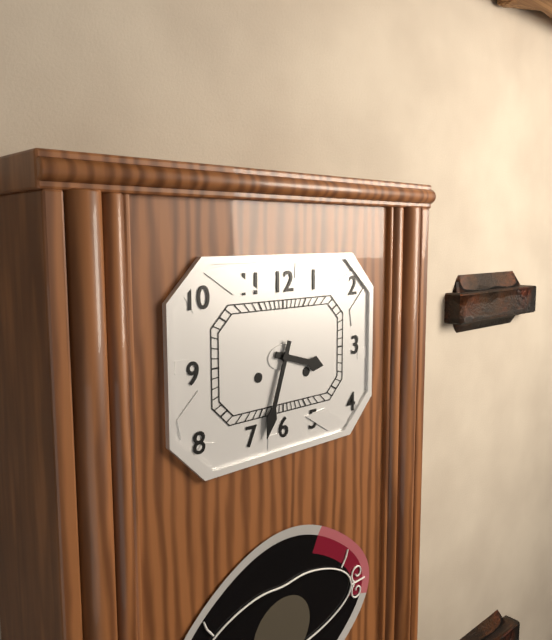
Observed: 3 h 33 min
